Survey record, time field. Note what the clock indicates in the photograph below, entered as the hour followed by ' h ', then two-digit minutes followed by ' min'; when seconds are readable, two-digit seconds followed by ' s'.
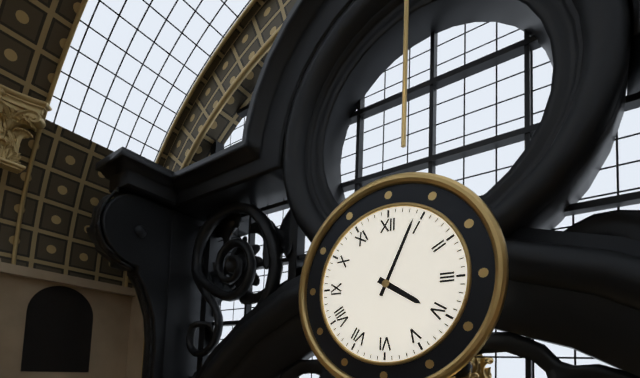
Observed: 4 h 04 min
